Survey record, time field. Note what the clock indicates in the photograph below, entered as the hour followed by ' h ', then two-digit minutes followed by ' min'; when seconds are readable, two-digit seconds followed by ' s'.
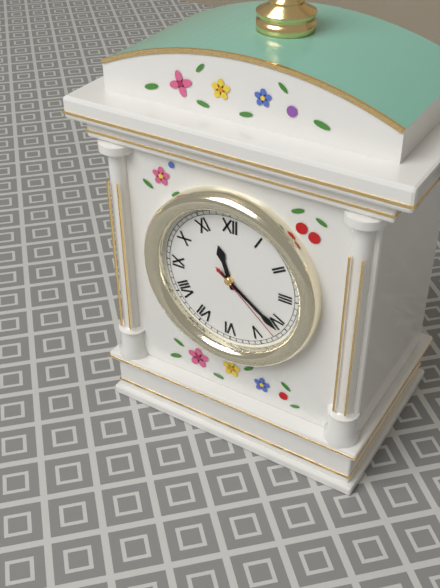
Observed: 11 h 21 min 22 s
